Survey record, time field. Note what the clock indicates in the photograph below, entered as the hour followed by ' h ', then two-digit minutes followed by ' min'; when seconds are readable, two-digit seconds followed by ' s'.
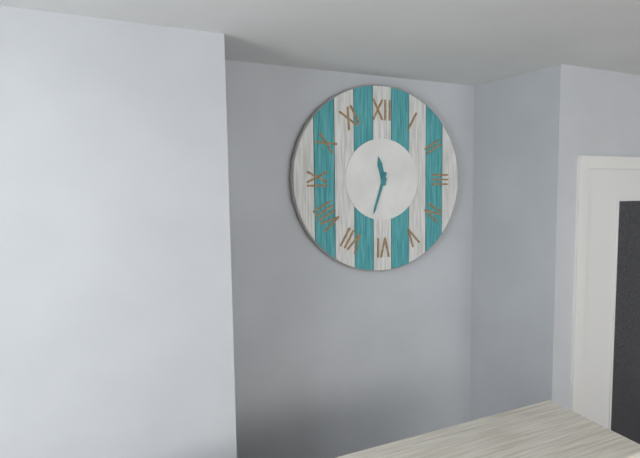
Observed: 11 h 33 min
